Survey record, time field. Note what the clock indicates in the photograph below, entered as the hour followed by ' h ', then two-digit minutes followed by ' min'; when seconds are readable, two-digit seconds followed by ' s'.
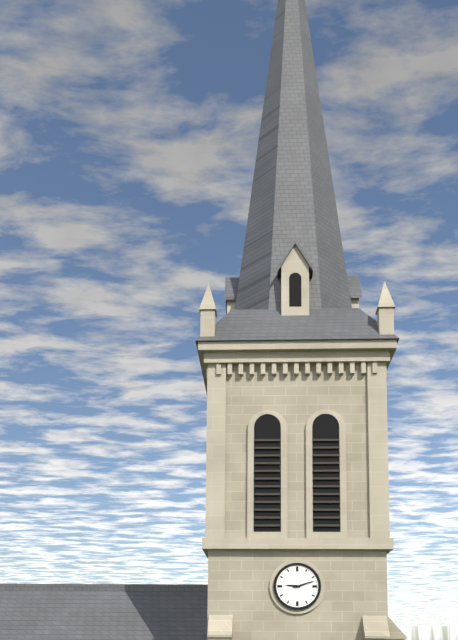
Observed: 9 h 12 min
